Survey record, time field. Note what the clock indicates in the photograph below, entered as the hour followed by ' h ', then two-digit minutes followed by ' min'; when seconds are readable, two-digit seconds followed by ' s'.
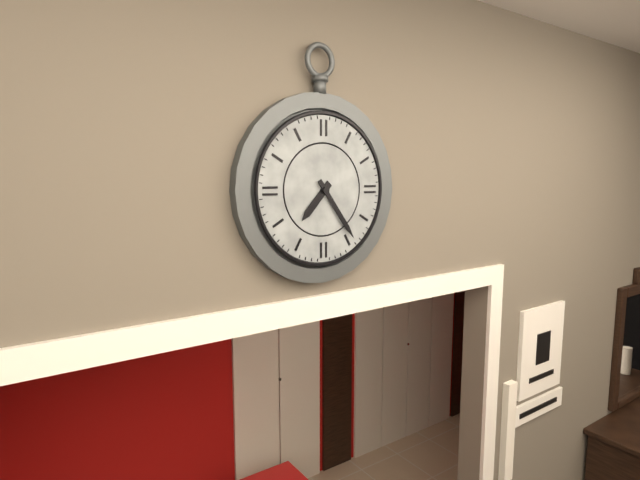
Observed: 7 h 24 min
